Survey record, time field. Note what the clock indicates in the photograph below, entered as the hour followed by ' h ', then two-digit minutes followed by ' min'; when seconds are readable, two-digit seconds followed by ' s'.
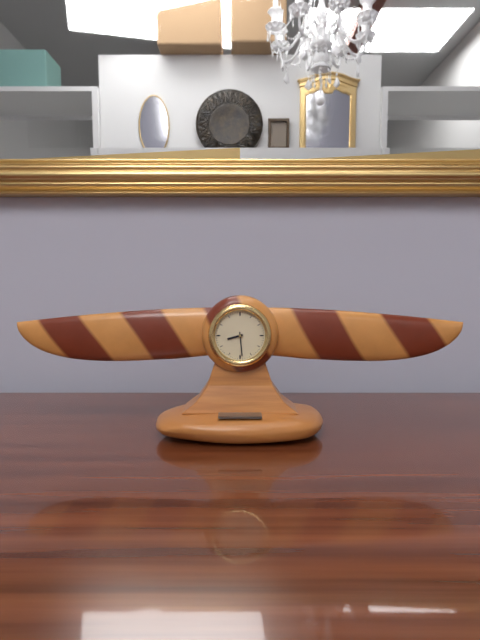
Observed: 8 h 29 min
